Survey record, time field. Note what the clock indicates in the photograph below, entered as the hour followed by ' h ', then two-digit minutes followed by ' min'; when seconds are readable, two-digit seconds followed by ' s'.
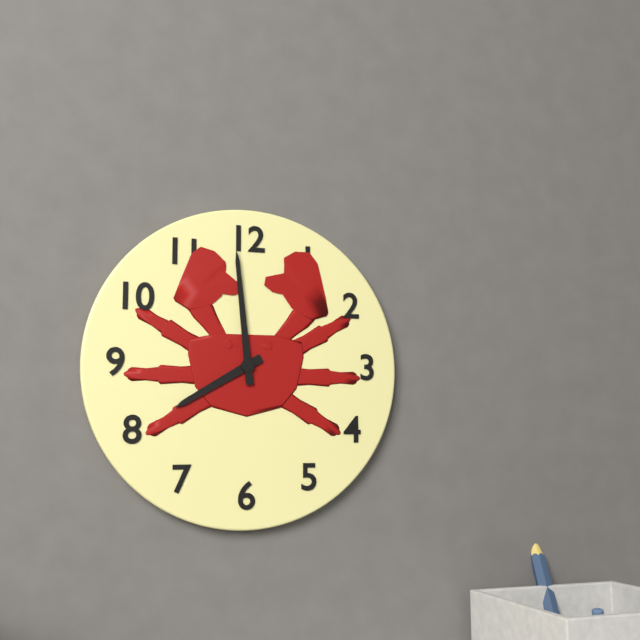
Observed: 7 h 59 min
